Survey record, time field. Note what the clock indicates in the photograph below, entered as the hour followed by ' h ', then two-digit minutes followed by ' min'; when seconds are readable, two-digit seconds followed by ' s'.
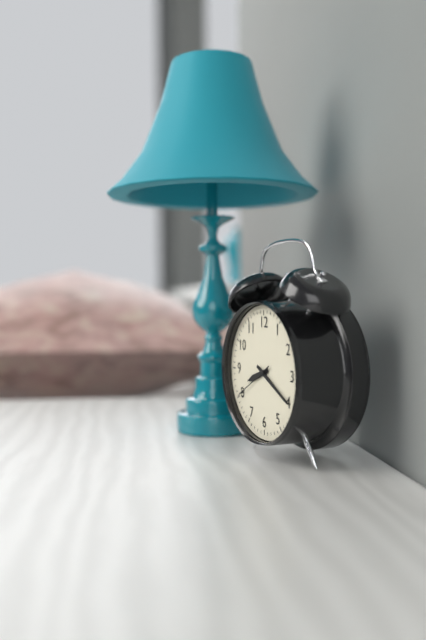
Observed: 8 h 20 min
